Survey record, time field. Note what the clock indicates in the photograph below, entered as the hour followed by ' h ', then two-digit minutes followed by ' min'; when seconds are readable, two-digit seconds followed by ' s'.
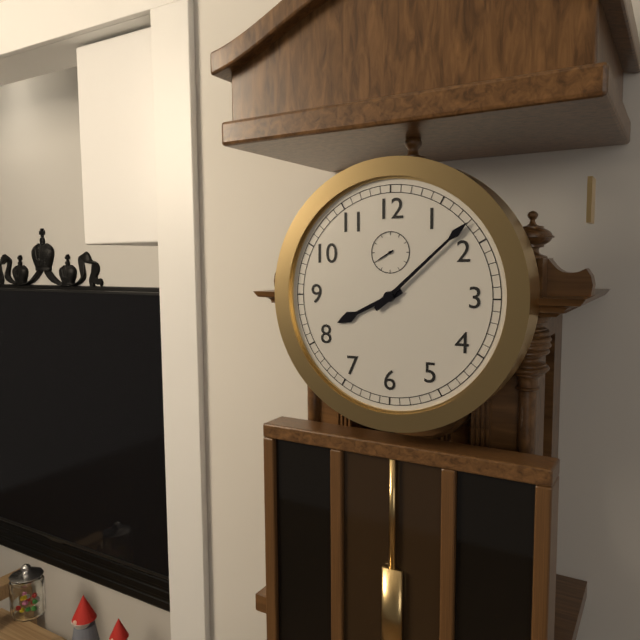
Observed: 8 h 08 min
